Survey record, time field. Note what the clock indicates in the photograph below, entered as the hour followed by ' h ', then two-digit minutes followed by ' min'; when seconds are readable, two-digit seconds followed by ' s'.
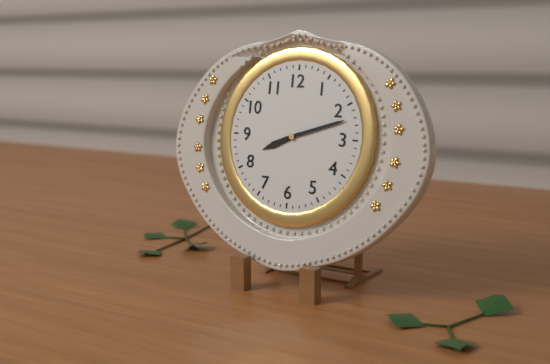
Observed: 8 h 12 min
